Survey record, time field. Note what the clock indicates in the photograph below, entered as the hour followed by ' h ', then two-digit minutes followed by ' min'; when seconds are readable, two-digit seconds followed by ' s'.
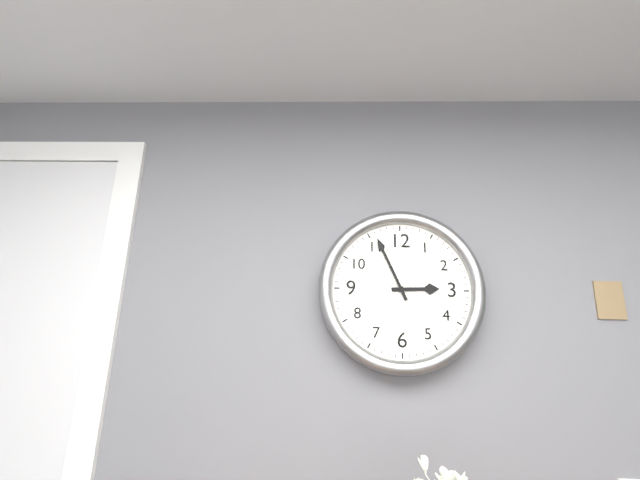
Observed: 2 h 56 min
